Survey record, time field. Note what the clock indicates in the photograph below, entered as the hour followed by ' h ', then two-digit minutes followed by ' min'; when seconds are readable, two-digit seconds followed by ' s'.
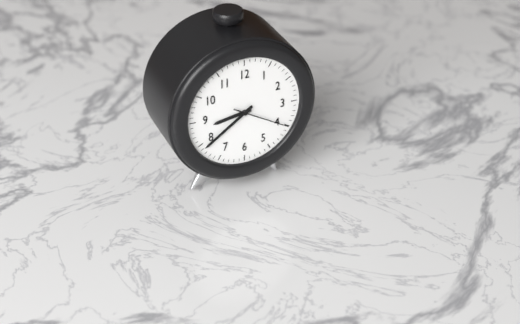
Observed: 8 h 39 min 20 s
